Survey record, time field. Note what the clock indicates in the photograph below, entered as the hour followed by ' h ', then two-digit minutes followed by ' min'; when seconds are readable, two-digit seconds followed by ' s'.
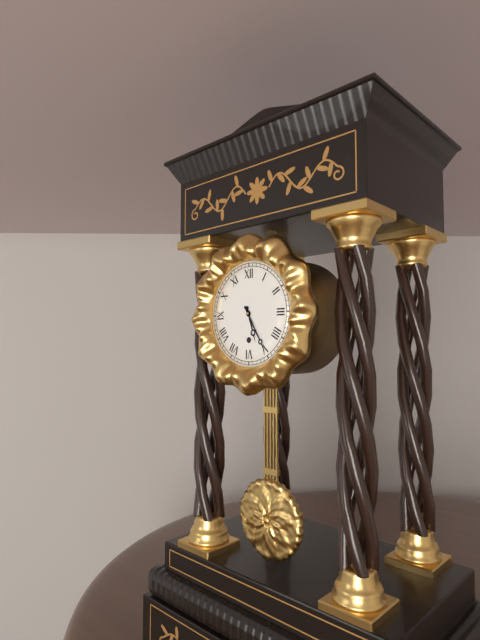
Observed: 5 h 25 min
